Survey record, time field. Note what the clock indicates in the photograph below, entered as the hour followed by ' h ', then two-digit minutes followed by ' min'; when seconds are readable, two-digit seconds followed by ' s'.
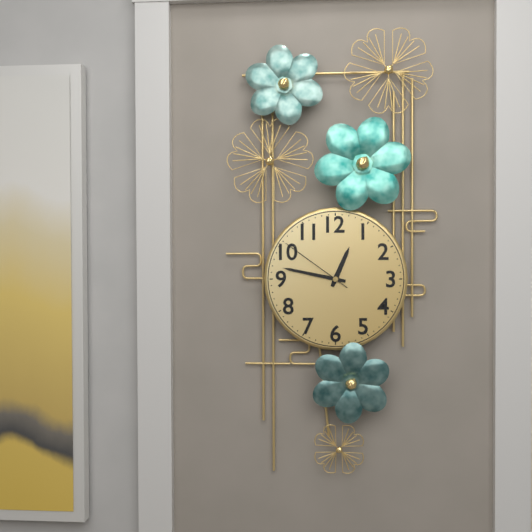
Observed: 12 h 47 min 51 s
